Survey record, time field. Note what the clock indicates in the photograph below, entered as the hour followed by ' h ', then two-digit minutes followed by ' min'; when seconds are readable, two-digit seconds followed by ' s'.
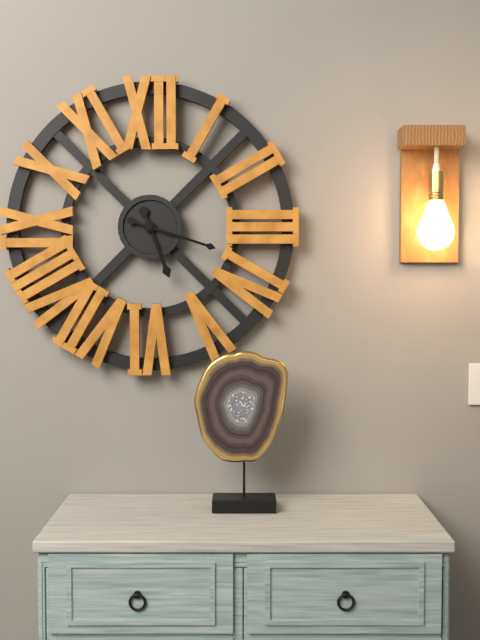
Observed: 5 h 18 min
